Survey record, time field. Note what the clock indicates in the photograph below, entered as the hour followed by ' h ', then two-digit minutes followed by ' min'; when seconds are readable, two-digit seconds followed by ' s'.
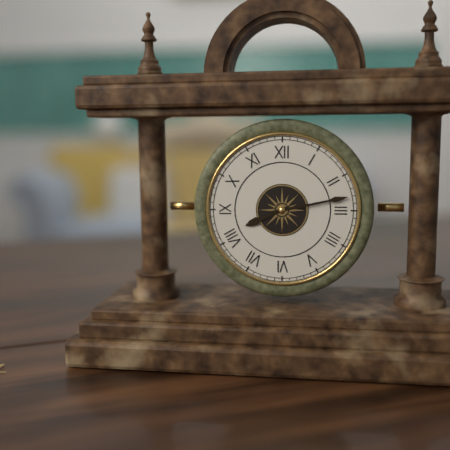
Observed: 8 h 13 min
